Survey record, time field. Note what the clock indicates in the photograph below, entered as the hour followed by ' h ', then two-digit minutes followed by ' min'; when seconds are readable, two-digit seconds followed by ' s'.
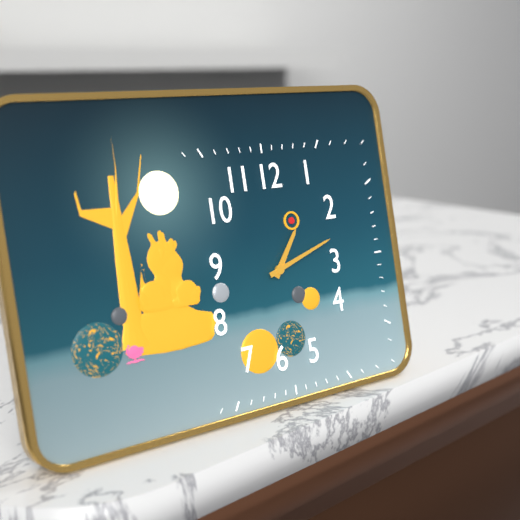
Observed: 1 h 12 min
